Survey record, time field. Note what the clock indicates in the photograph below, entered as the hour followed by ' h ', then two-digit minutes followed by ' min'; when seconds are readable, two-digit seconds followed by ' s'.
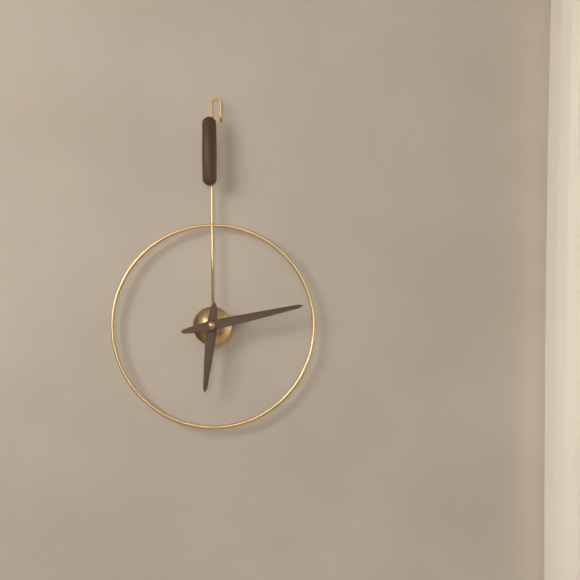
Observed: 6 h 13 min
